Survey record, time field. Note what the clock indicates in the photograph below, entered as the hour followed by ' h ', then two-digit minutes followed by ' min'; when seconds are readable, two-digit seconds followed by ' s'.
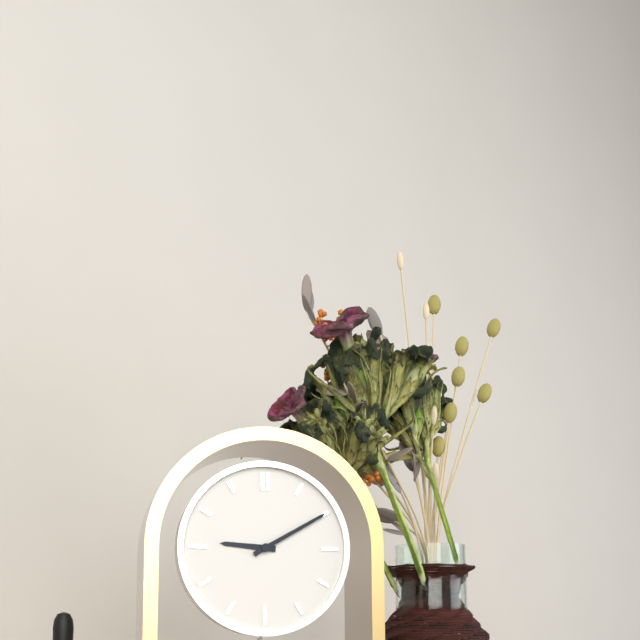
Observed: 9 h 10 min
